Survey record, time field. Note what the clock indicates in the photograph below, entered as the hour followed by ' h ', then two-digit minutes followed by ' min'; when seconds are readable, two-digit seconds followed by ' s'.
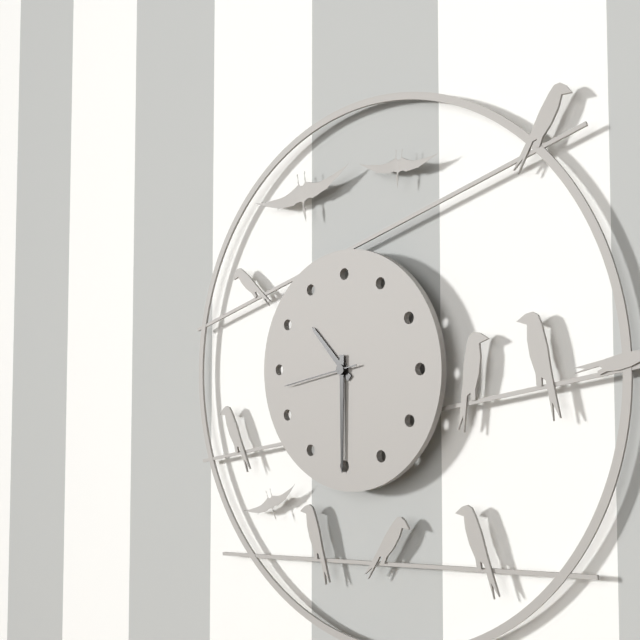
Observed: 10 h 30 min 43 s
